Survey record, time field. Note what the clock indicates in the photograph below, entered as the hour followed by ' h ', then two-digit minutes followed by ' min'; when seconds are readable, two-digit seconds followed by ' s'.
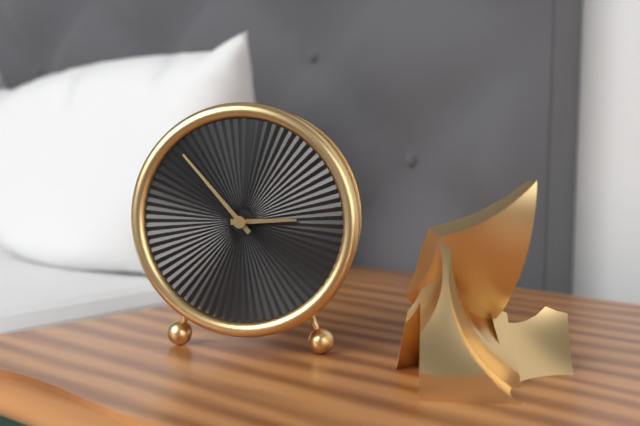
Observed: 2 h 53 min
